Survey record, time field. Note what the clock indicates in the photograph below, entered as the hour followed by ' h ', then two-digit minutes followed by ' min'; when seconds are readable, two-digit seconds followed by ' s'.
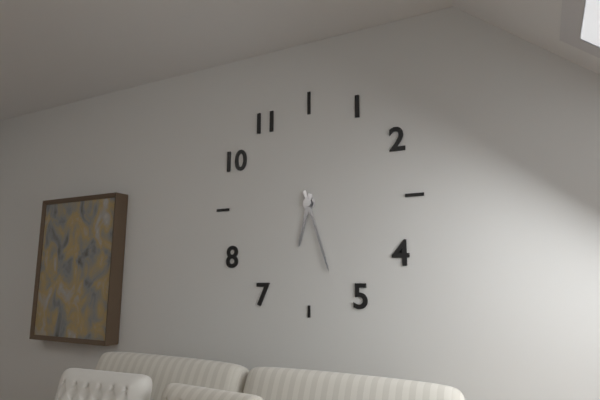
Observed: 6 h 27 min
